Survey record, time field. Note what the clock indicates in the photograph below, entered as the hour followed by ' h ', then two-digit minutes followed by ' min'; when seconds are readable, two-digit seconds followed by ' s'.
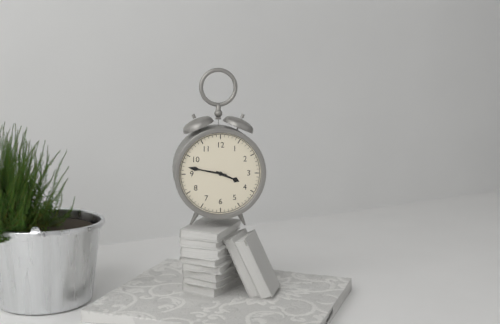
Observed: 3 h 47 min
